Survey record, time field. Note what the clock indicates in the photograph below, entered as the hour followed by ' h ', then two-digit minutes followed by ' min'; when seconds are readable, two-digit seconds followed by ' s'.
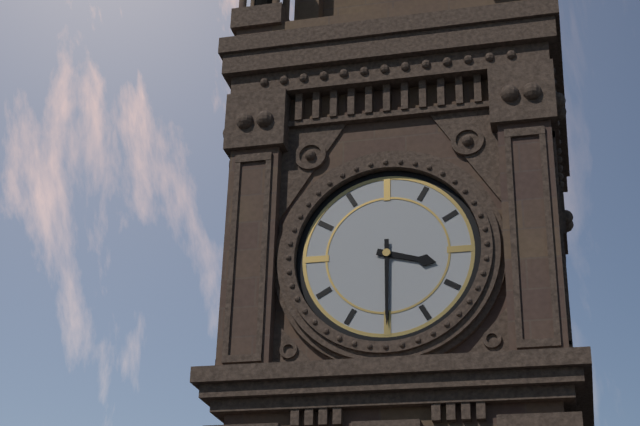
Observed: 3 h 30 min
